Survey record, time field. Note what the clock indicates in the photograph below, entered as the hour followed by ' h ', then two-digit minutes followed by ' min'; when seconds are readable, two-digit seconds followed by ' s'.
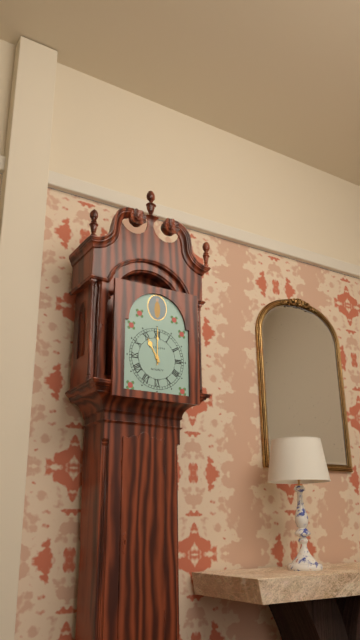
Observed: 11 h 00 min
